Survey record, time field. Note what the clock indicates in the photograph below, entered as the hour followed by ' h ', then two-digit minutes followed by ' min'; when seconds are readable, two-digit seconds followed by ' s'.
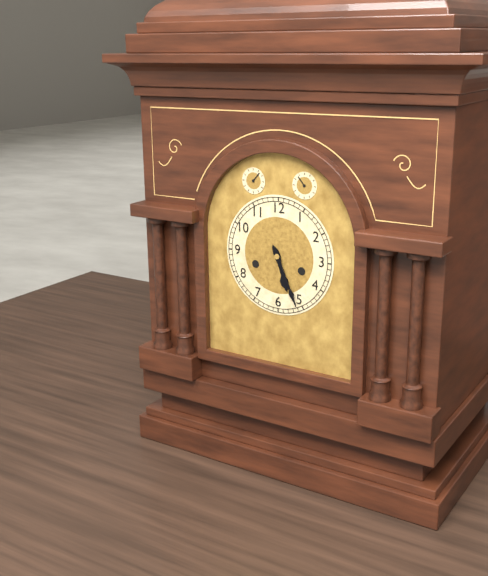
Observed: 5 h 26 min
